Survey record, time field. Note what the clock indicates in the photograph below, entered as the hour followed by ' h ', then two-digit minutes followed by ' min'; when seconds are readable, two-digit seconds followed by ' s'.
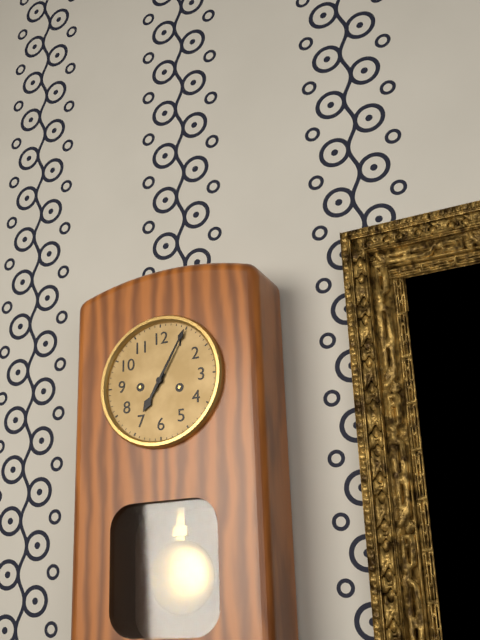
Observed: 7 h 05 min
